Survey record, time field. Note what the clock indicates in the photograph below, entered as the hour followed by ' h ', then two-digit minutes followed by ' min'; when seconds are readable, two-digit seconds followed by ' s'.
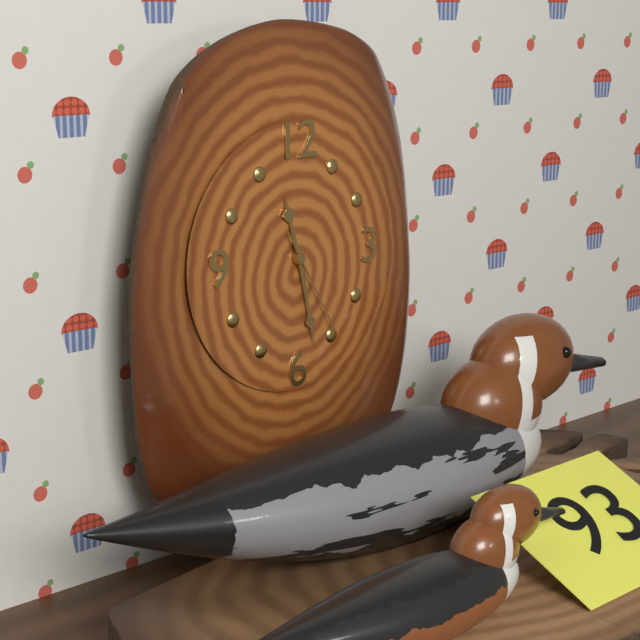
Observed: 11 h 28 min 25 s
